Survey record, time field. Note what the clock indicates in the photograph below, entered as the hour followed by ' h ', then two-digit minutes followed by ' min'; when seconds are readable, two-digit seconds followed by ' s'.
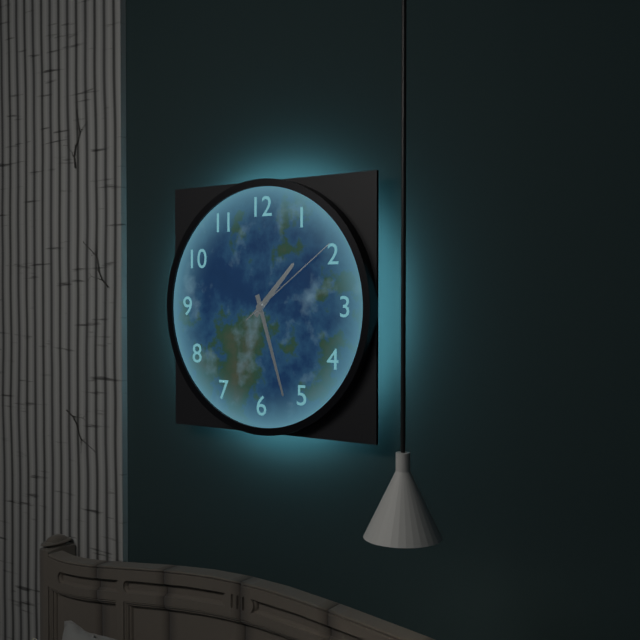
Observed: 1 h 27 min 09 s
